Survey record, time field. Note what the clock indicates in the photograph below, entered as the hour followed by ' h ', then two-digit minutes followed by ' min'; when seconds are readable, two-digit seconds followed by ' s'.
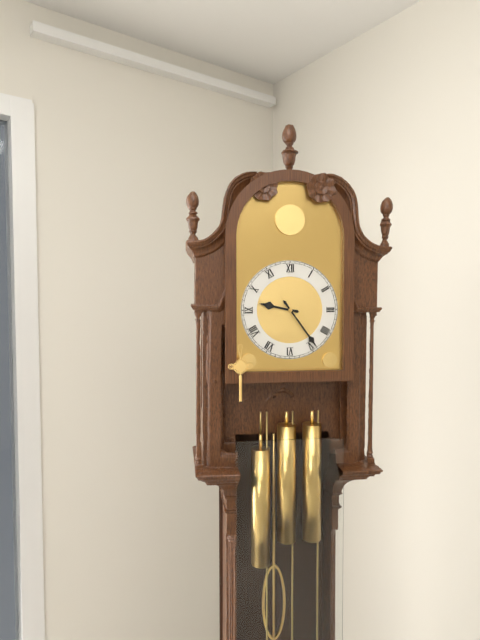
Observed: 9 h 24 min
